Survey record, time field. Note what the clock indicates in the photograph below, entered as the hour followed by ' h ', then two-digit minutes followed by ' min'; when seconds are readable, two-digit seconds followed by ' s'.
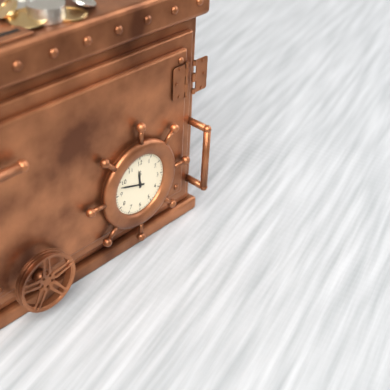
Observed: 11 h 48 min
